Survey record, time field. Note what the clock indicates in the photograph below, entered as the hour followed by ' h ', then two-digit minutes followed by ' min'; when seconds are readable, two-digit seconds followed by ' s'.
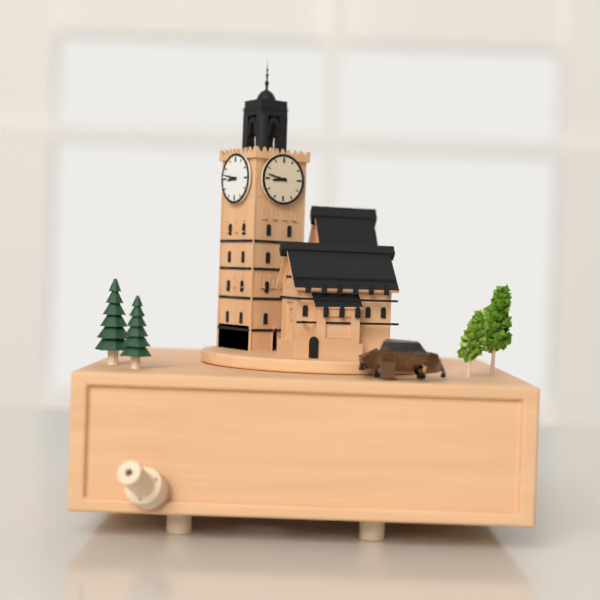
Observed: 8 h 47 min
